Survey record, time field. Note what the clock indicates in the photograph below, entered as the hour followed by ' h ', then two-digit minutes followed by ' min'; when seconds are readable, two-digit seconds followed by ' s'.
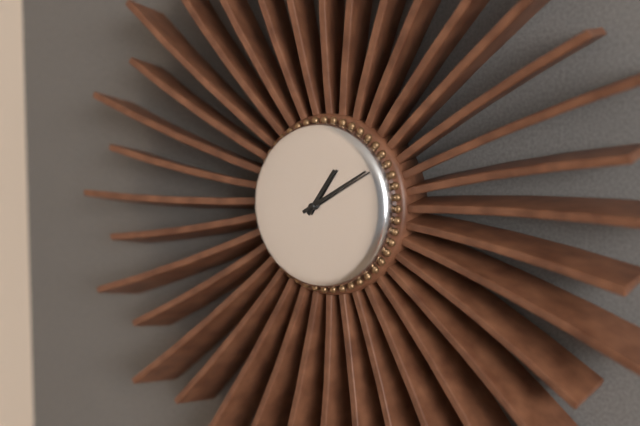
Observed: 1 h 10 min
